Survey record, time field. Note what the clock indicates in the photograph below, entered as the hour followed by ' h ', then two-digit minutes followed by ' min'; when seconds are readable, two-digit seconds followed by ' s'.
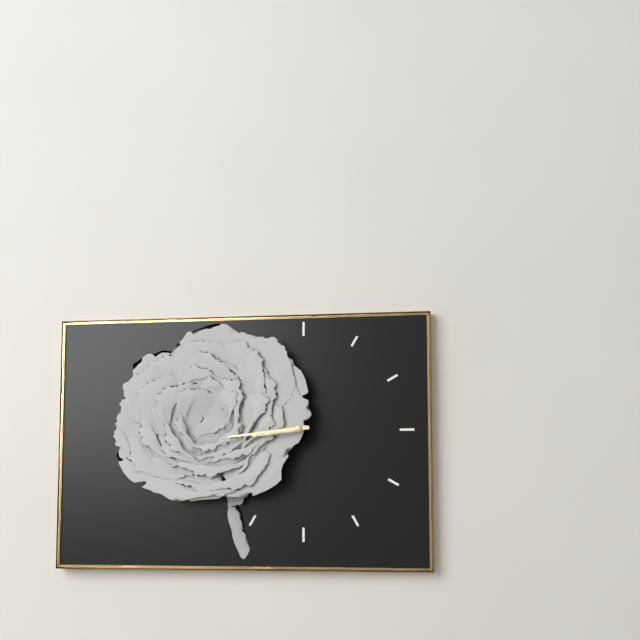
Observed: 8 h 44 min
